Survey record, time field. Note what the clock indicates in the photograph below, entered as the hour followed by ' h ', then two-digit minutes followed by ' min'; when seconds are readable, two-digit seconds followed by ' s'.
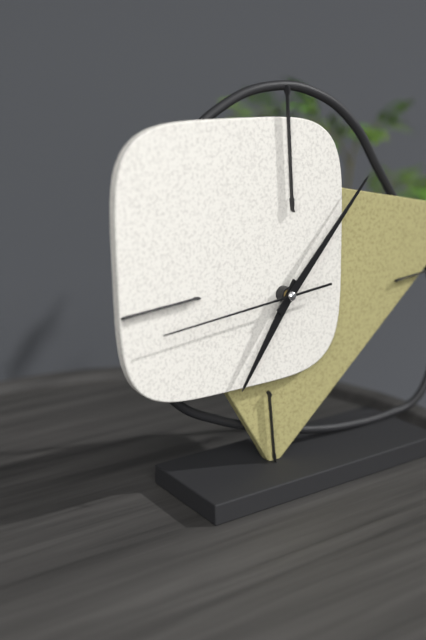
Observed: 7 h 07 min 44 s
